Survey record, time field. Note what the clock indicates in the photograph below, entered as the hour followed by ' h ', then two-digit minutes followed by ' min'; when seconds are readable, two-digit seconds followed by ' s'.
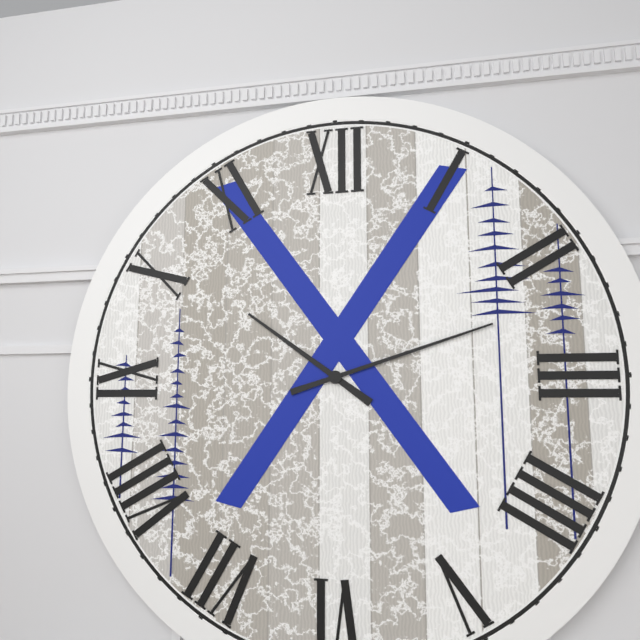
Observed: 10 h 12 min
